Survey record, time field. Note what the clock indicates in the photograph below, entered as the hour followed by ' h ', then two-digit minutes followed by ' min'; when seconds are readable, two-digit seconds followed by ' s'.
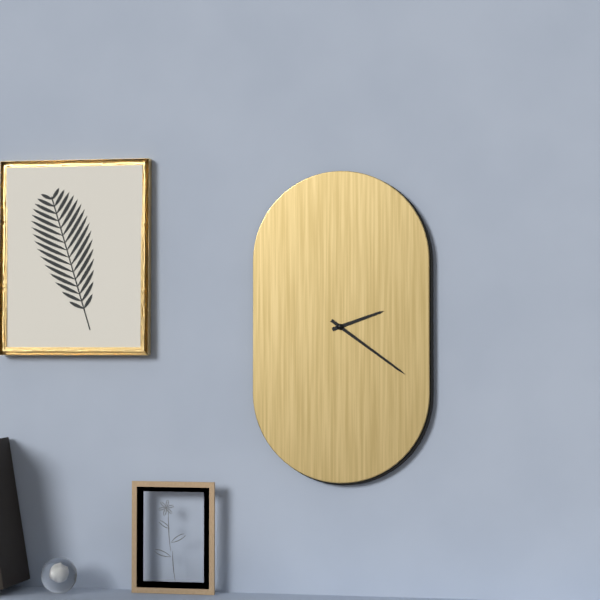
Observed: 2 h 21 min
